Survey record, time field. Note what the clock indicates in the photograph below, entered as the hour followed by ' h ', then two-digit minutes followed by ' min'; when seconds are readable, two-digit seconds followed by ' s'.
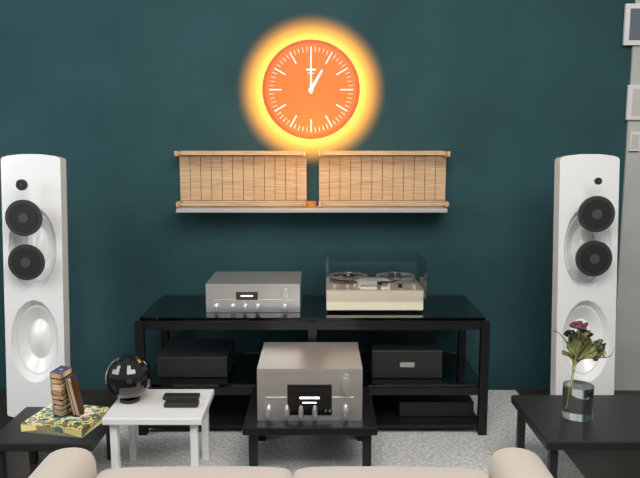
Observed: 1 h 00 min
